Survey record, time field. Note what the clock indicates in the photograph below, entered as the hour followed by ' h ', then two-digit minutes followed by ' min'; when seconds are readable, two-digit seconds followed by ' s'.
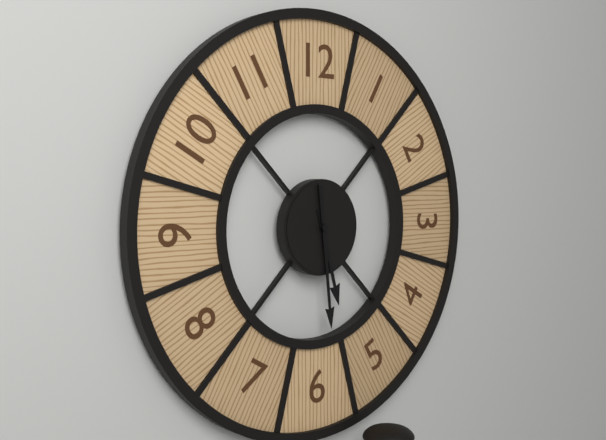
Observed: 5 h 29 min
